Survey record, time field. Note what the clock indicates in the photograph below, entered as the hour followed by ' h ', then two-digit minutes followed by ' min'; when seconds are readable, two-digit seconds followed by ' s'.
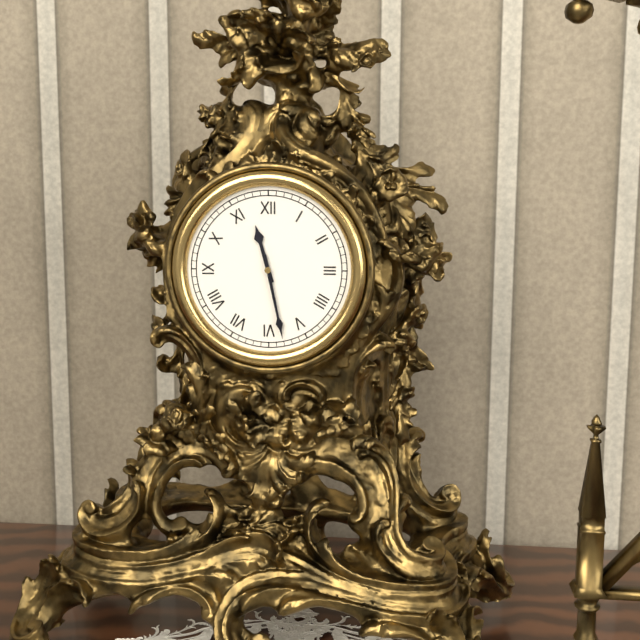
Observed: 11 h 28 min
